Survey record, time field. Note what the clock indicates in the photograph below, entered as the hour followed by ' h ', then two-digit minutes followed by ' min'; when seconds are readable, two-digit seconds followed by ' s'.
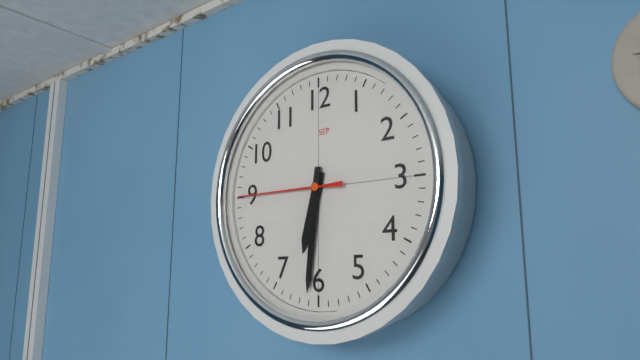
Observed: 6 h 31 min 45 s
